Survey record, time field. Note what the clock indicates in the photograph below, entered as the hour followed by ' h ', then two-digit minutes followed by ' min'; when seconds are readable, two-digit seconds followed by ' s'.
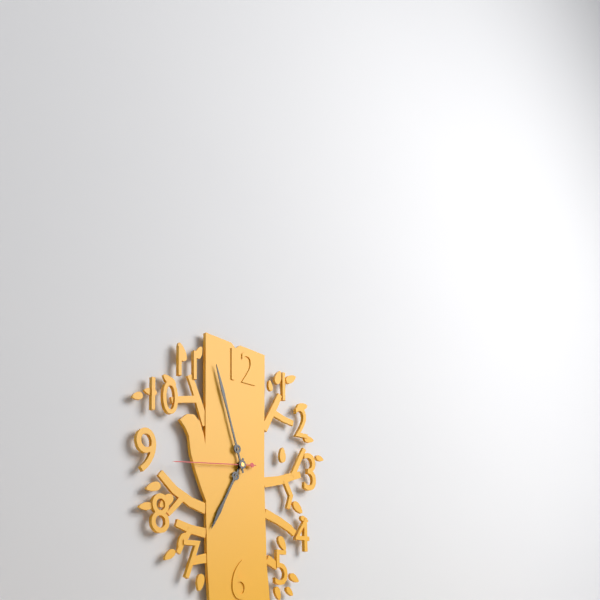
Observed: 6 h 57 min 44 s
